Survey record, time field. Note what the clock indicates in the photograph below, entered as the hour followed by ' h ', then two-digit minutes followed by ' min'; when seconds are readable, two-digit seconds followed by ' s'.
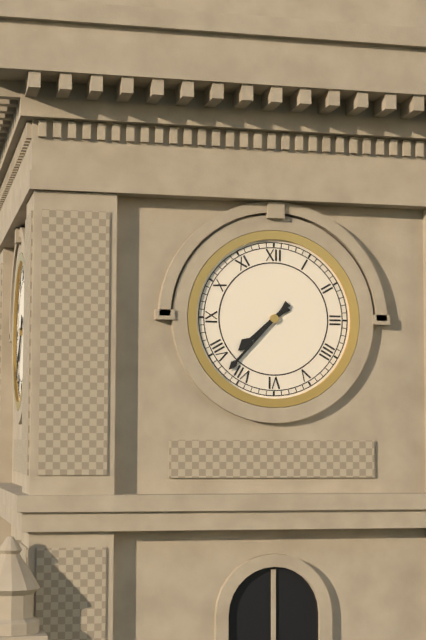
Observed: 7 h 37 min
